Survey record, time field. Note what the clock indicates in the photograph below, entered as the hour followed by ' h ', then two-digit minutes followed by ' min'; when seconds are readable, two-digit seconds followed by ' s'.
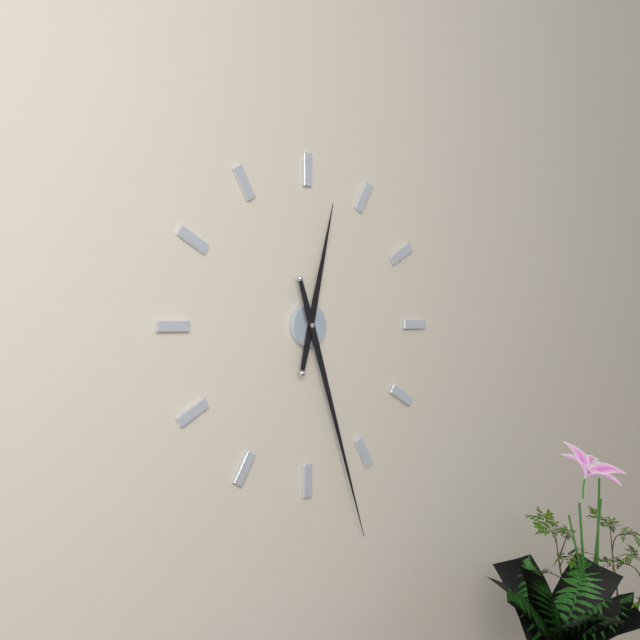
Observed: 12 h 27 min
